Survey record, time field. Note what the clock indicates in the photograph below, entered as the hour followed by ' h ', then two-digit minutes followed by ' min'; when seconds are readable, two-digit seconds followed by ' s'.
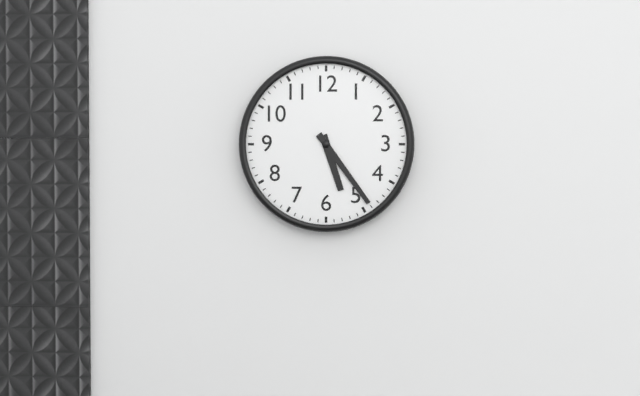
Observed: 5 h 24 min
